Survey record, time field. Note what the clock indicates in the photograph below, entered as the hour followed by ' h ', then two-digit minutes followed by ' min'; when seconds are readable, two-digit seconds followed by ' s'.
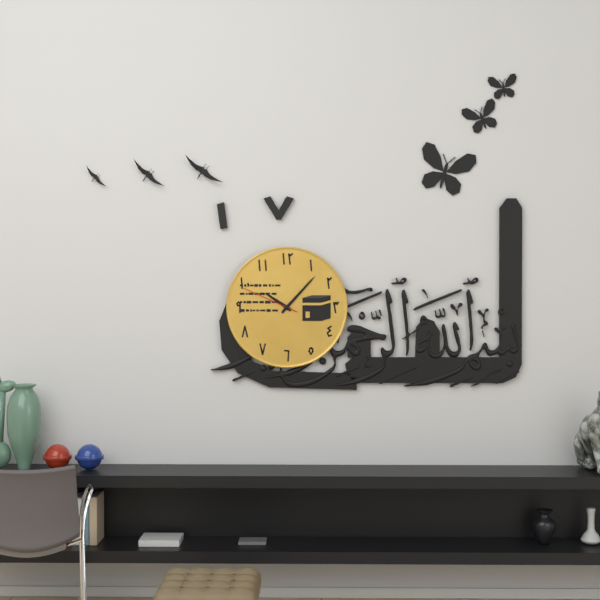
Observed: 10 h 07 min 49 s
